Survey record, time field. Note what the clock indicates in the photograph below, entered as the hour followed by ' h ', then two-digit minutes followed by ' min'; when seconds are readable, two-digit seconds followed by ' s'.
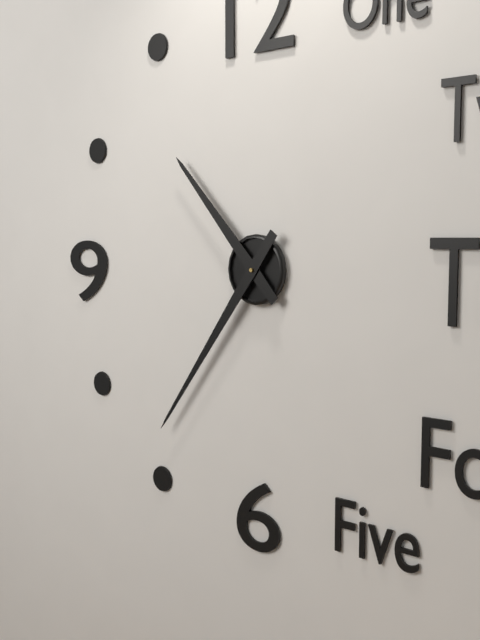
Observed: 10 h 36 min
